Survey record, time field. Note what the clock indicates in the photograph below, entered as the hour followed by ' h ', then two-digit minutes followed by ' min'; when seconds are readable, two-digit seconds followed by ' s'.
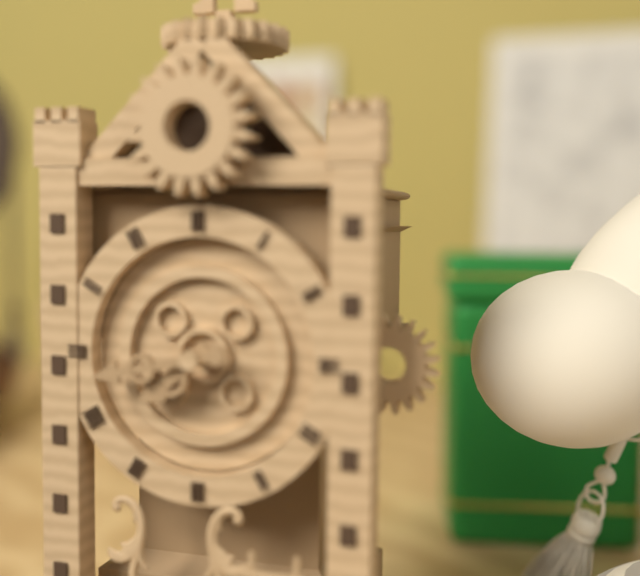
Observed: 7 h 43 min
